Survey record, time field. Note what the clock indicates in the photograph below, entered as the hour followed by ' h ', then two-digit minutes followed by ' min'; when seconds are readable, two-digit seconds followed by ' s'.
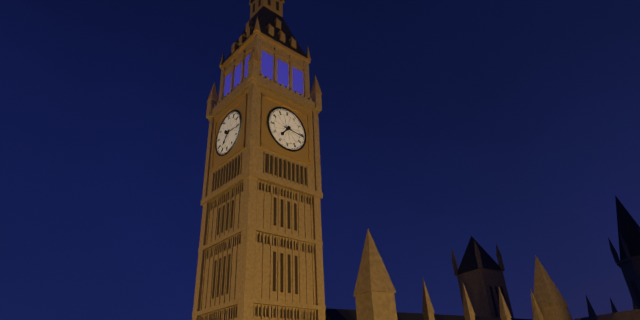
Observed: 7 h 16 min
